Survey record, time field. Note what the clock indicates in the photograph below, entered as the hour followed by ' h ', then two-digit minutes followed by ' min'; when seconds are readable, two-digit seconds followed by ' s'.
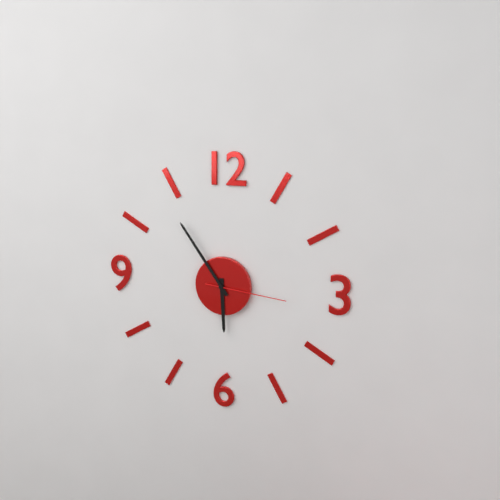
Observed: 5 h 54 min 16 s
